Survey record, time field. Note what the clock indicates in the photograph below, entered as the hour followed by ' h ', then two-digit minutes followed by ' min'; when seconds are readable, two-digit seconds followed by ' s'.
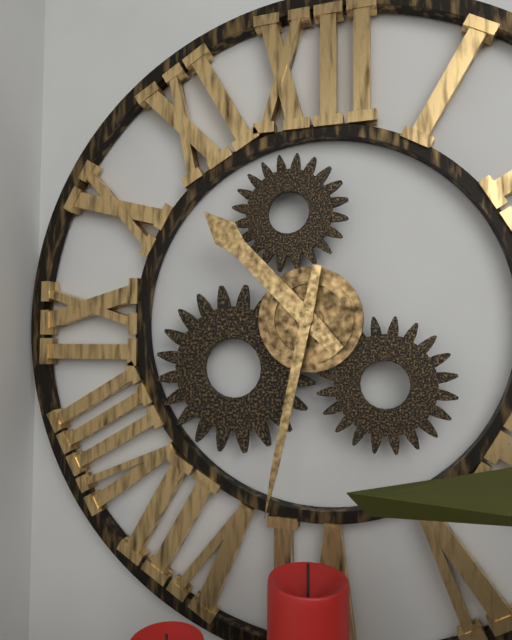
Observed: 10 h 32 min
